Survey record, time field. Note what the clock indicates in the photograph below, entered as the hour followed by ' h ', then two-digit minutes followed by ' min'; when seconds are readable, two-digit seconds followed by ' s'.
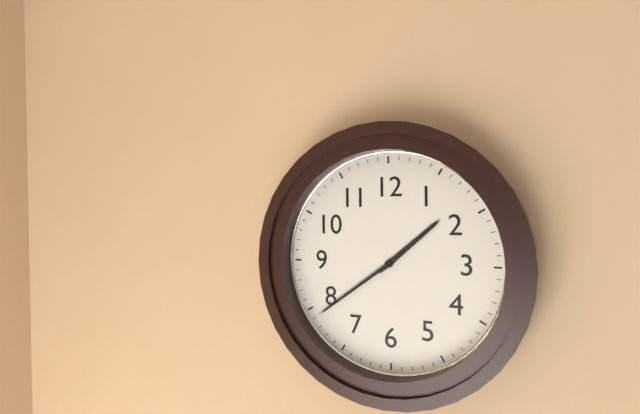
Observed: 1 h 39 min
